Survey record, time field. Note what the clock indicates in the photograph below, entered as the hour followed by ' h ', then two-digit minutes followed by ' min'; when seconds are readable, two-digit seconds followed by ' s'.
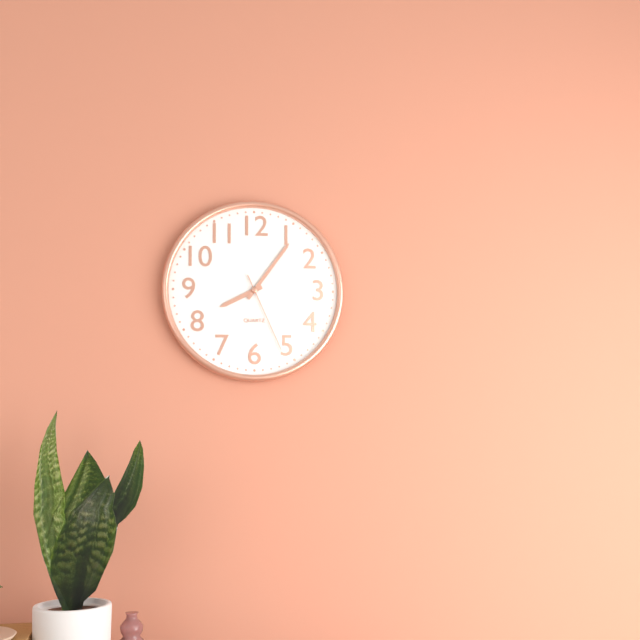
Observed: 8 h 06 min 26 s
